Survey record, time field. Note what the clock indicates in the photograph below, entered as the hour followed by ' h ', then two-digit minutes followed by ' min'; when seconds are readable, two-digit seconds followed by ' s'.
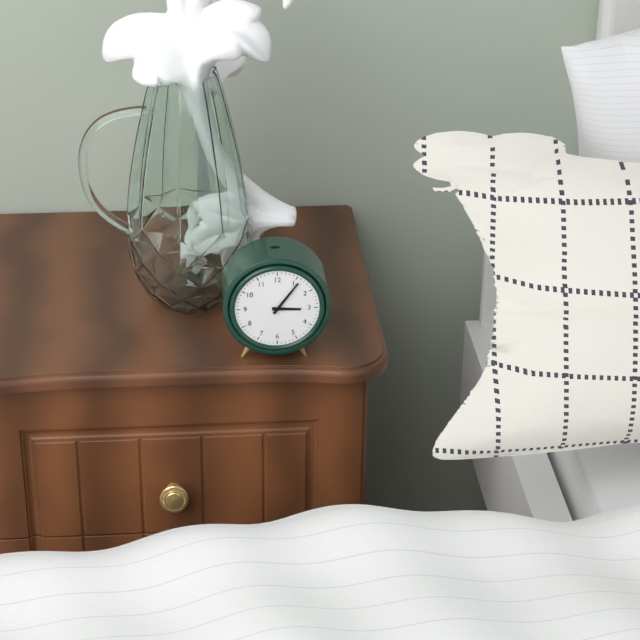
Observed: 3 h 06 min
